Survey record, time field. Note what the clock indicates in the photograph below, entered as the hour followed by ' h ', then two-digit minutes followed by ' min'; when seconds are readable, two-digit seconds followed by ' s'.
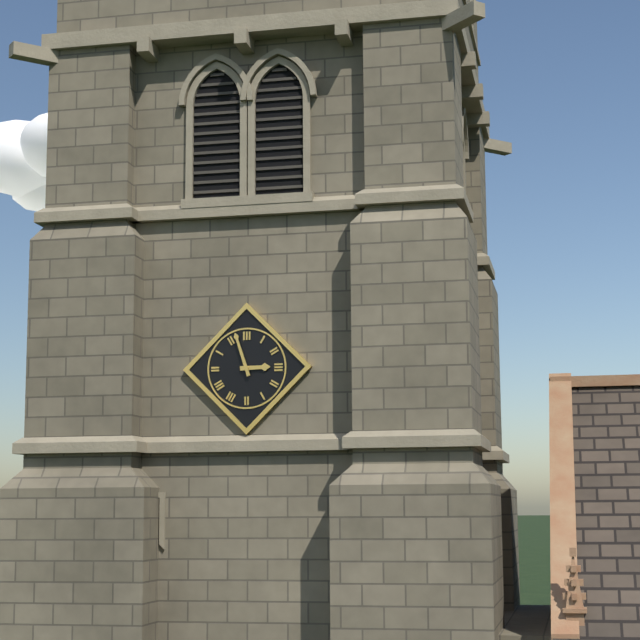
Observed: 2 h 57 min
